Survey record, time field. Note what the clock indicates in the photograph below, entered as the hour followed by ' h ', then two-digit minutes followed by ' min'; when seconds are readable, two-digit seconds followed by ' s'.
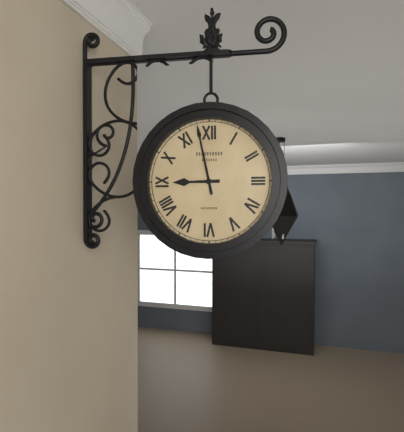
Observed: 8 h 58 min
